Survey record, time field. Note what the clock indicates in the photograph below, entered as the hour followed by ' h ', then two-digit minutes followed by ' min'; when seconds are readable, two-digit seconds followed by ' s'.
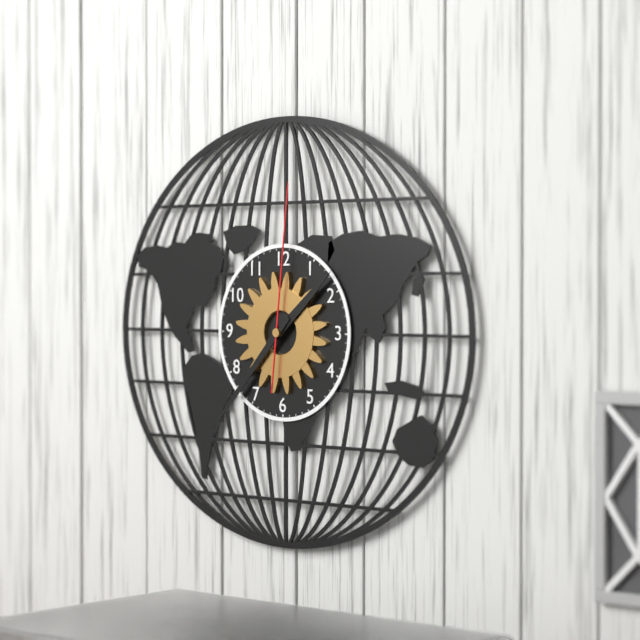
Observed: 1 h 37 min 01 s
